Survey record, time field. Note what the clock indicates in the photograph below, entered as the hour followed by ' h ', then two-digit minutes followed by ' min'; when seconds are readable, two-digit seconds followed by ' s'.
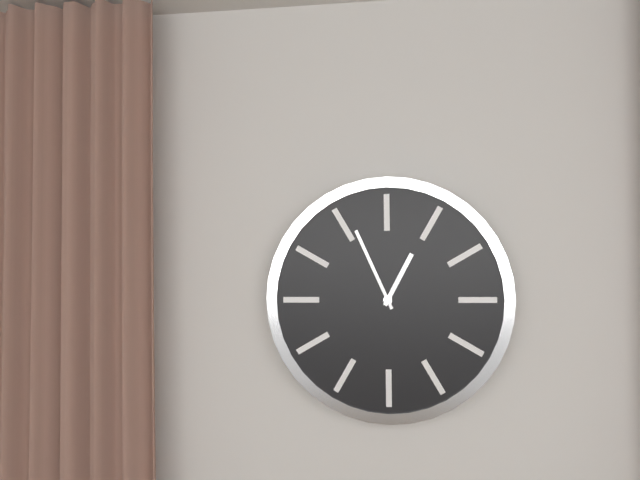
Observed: 12 h 56 min
